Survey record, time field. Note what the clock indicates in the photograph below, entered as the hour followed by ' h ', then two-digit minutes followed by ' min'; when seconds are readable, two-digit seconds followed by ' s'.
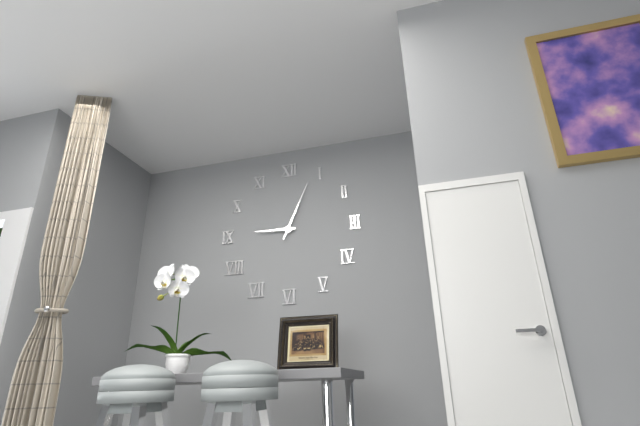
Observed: 9 h 04 min
